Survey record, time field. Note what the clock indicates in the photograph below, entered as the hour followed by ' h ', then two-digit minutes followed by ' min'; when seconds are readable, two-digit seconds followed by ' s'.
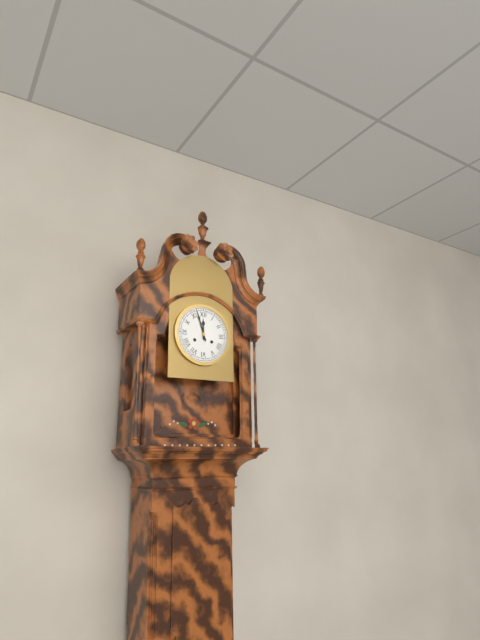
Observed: 11 h 57 min
